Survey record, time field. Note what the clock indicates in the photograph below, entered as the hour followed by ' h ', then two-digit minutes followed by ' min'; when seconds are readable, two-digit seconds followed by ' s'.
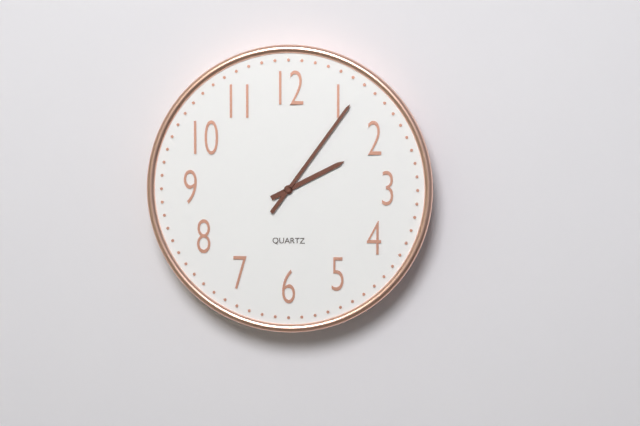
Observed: 2 h 06 min
